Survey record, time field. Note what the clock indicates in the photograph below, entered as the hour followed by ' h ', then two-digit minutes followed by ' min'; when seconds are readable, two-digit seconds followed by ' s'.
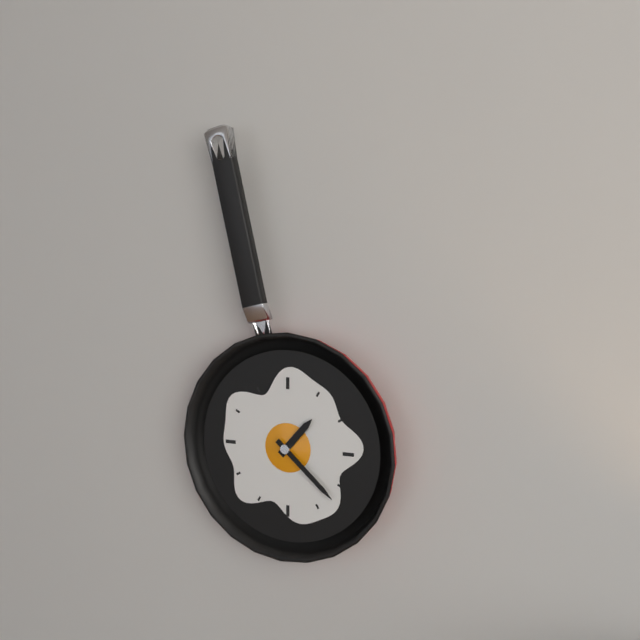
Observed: 1 h 22 min
